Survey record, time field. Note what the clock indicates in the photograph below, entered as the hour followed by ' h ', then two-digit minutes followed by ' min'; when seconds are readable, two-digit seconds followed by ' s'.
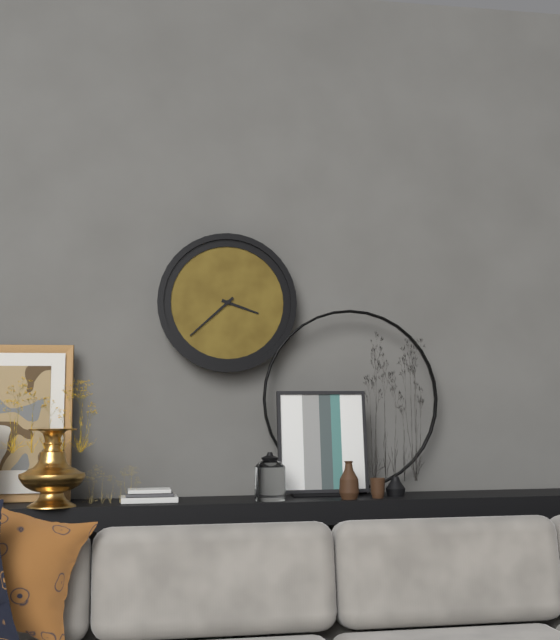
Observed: 3 h 38 min
